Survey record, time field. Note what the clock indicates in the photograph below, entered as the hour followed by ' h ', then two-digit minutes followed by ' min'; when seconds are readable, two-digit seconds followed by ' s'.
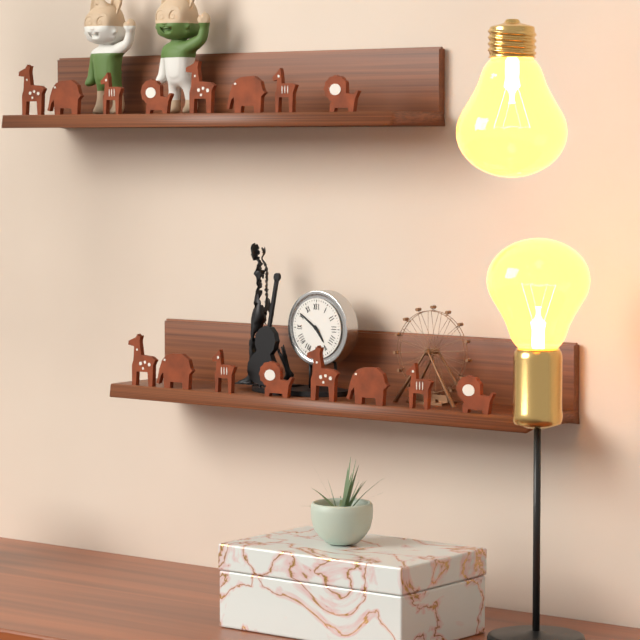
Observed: 4 h 51 min
